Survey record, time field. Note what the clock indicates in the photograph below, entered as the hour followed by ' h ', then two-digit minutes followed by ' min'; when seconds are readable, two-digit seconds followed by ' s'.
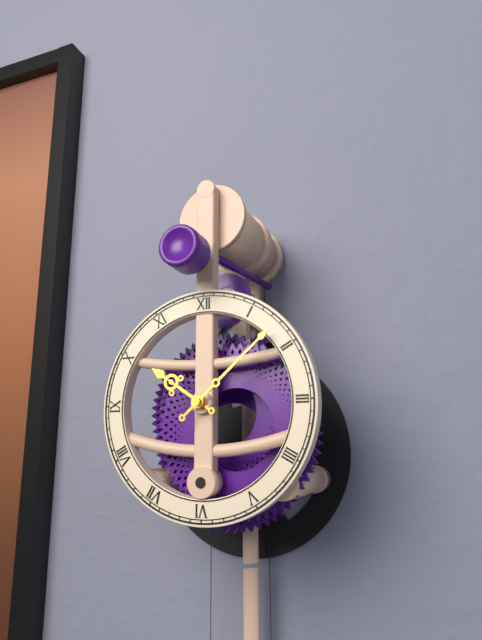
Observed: 10 h 08 min
